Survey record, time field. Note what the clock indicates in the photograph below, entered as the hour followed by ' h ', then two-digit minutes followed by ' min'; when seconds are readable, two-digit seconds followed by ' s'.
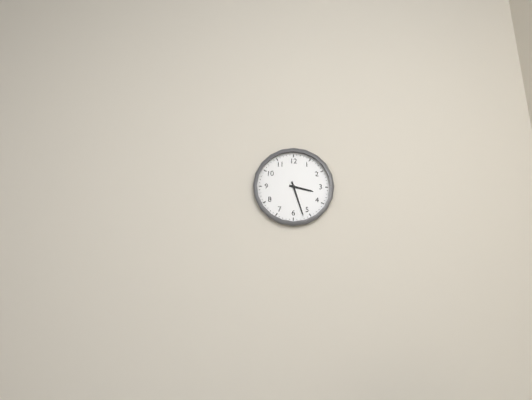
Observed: 3 h 27 min
